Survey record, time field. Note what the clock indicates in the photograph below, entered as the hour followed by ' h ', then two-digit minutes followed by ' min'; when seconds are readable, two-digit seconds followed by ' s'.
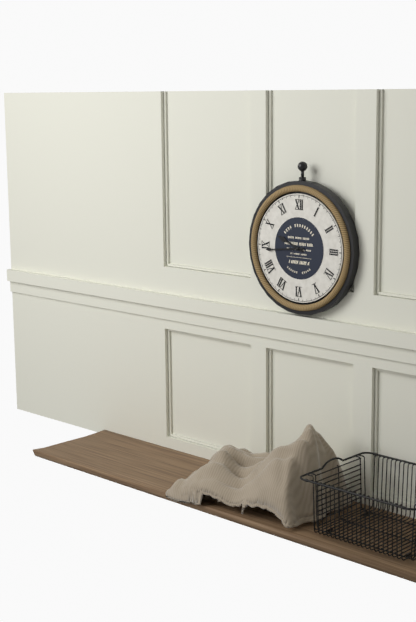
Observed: 9 h 44 min
